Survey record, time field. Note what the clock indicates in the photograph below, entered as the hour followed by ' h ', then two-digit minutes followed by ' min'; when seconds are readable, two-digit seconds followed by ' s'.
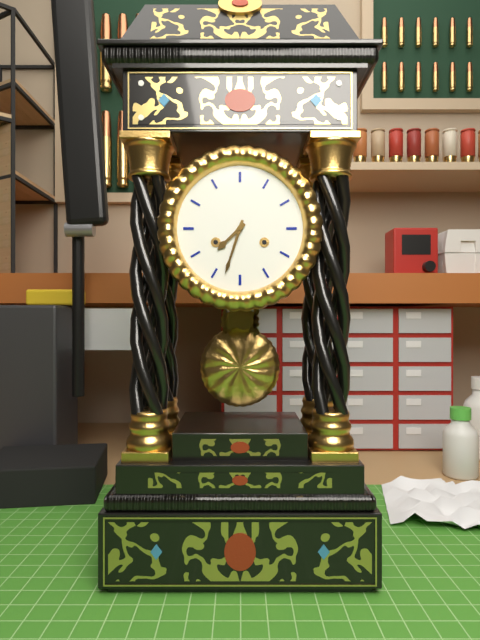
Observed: 7 h 33 min
